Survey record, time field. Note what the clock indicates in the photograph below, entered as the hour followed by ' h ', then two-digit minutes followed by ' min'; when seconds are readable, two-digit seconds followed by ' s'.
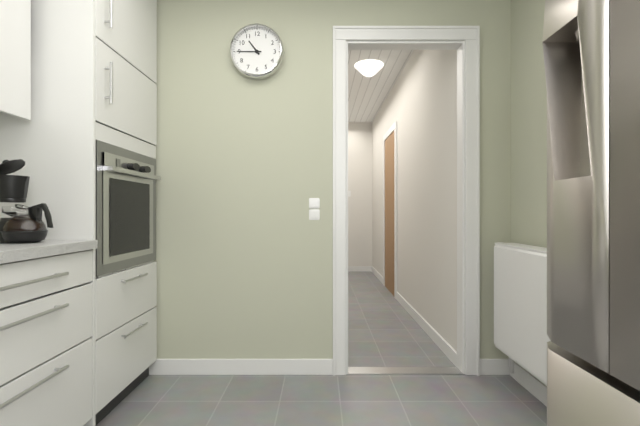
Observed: 10 h 45 min
